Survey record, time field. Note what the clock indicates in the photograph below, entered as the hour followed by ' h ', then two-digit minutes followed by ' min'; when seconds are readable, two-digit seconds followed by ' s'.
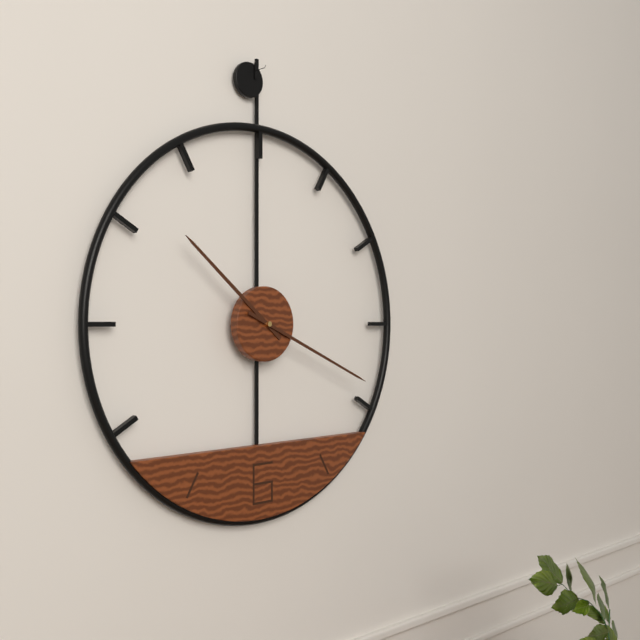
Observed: 10 h 19 min
